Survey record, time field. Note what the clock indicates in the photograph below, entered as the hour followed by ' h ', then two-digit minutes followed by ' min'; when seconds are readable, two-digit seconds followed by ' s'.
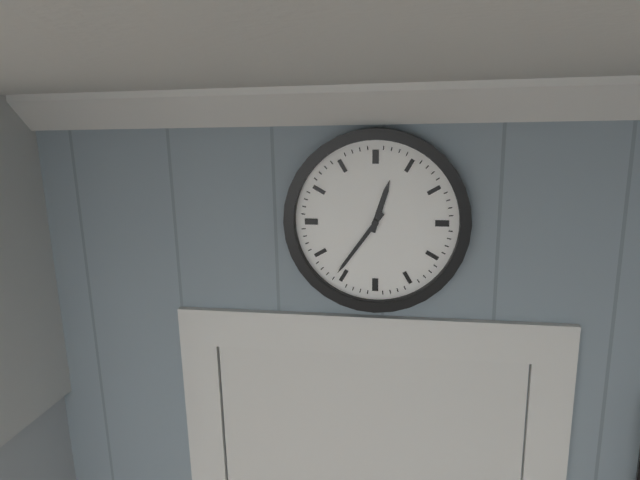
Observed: 12 h 36 min
